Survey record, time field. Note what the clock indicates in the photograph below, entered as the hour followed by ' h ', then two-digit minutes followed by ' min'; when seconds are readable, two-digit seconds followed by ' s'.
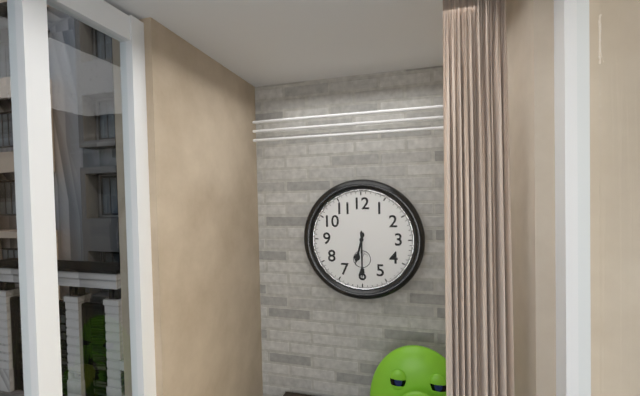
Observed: 6 h 30 min
